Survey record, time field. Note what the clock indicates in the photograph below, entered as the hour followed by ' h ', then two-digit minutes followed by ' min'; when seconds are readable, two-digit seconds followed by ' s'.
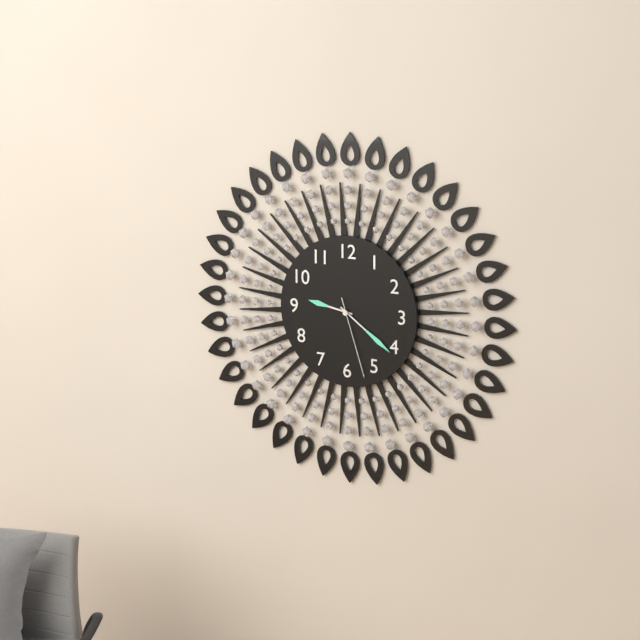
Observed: 9 h 21 min 27 s
